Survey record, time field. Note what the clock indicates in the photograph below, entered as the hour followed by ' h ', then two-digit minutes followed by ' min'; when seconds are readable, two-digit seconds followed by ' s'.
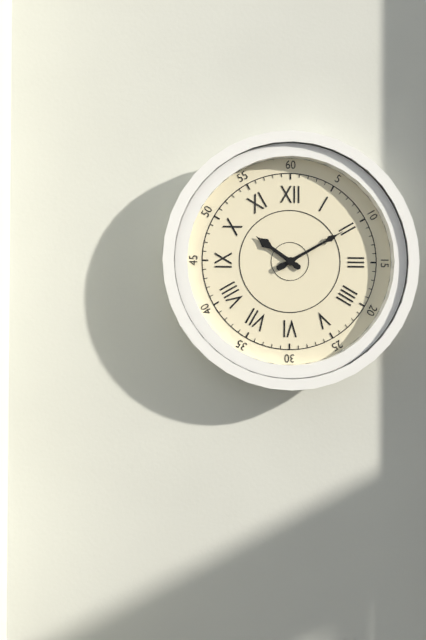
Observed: 10 h 10 min
